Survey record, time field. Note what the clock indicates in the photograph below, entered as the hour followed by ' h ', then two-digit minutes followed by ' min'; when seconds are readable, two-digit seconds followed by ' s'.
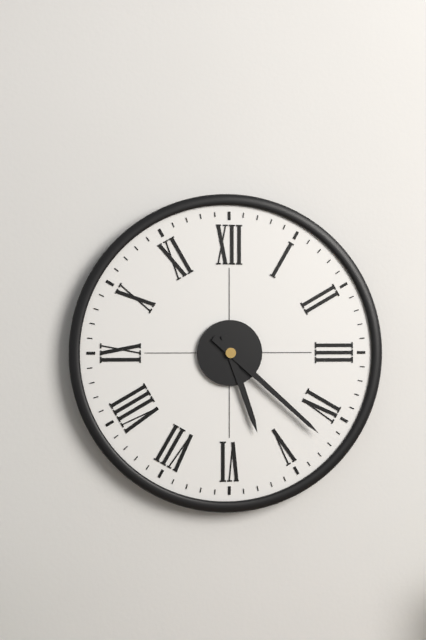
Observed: 5 h 22 min
